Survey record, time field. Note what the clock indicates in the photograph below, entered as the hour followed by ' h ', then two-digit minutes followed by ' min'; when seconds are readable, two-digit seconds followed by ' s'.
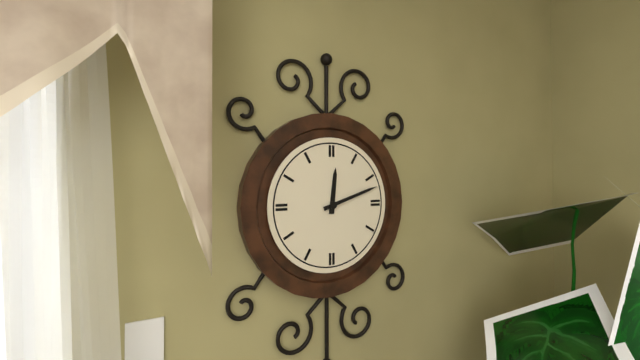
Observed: 12 h 12 min
